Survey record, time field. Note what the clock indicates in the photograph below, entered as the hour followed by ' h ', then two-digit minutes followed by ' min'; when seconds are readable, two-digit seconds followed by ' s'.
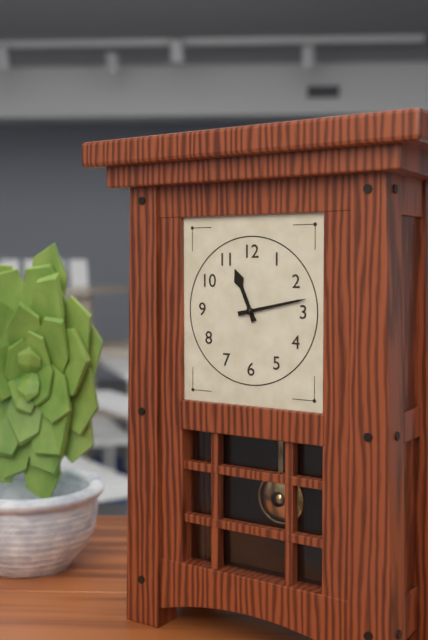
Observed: 11 h 13 min
